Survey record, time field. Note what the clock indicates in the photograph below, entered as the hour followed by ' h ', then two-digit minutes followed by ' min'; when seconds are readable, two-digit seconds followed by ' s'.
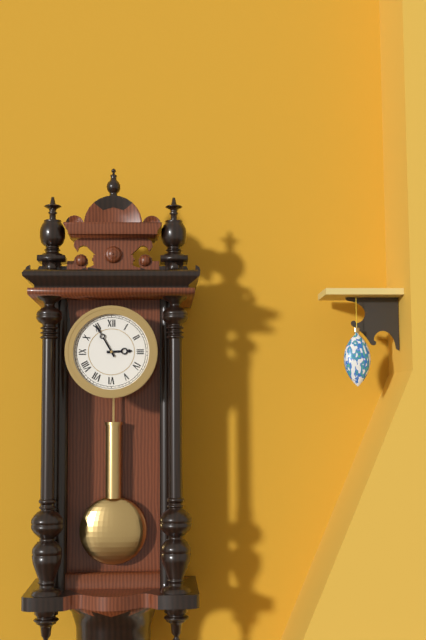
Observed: 2 h 55 min
